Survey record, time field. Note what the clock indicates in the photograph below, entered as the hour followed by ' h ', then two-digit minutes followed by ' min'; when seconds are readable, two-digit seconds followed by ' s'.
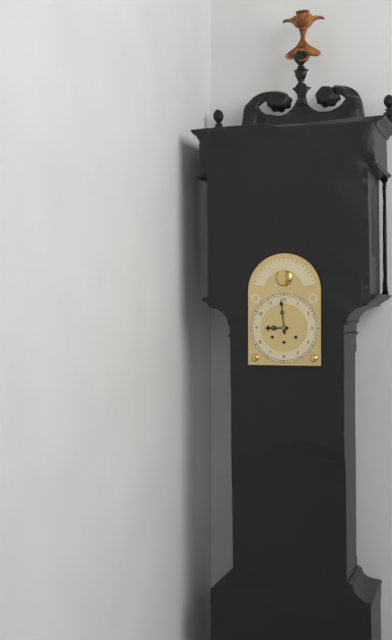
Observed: 8 h 59 min
